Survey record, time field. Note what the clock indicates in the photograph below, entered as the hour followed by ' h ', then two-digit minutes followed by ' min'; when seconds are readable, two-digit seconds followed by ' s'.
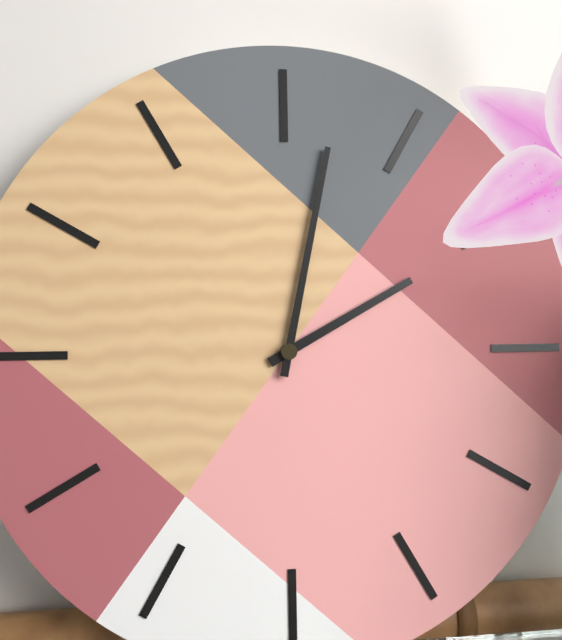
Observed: 2 h 02 min
